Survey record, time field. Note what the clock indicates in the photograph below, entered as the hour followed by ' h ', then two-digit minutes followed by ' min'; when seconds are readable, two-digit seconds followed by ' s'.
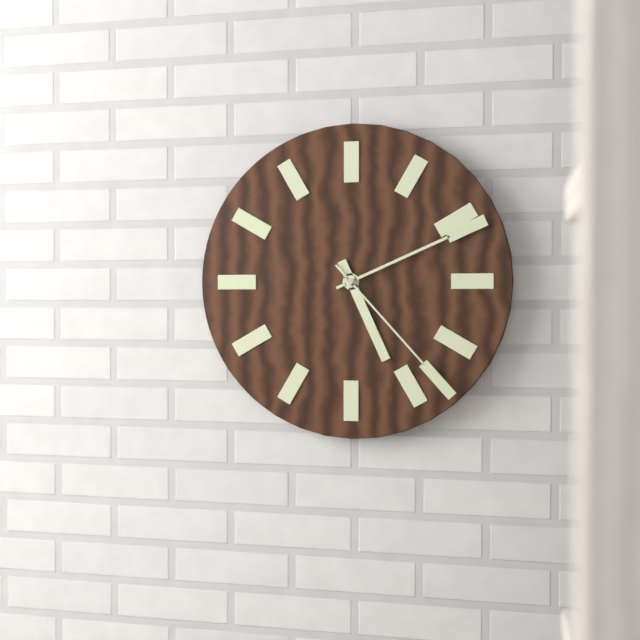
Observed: 5 h 11 min 23 s
